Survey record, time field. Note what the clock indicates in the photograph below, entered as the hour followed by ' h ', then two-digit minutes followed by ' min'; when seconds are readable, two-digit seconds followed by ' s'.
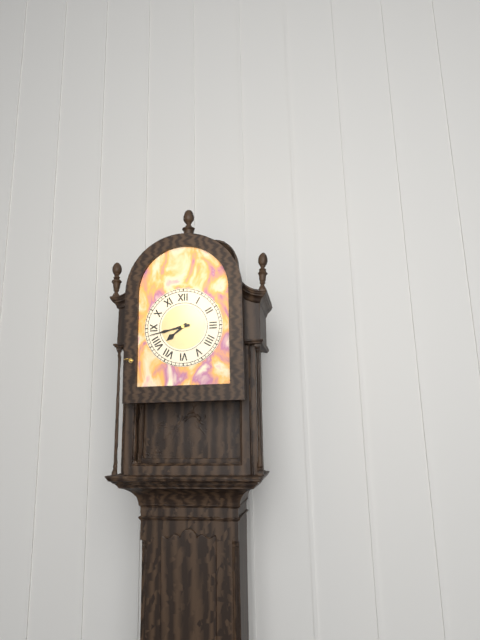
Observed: 7 h 43 min
